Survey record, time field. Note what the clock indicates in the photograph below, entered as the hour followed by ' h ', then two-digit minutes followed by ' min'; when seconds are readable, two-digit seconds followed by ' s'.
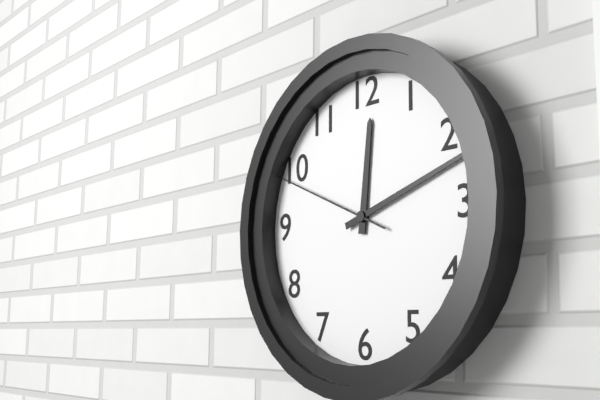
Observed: 12 h 12 min 49 s
